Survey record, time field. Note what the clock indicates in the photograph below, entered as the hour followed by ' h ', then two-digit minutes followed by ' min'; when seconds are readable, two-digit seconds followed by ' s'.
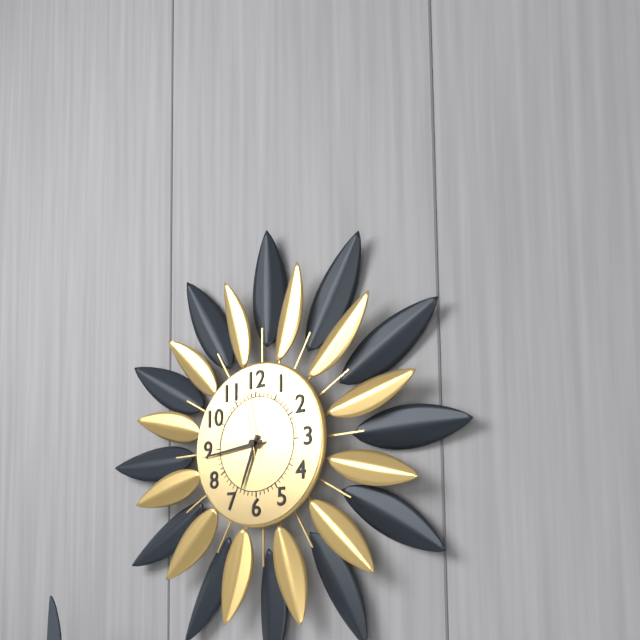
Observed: 6 h 44 min 58 s
